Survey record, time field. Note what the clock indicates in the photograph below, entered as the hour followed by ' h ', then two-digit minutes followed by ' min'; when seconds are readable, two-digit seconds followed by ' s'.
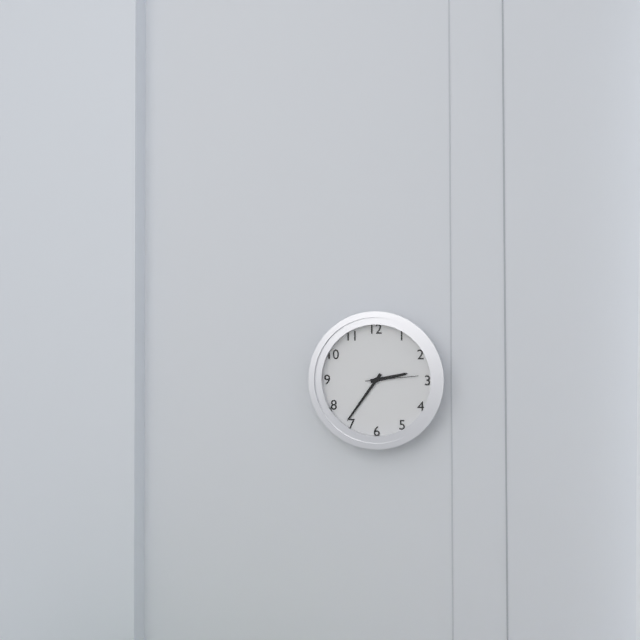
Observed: 2 h 36 min 14 s
